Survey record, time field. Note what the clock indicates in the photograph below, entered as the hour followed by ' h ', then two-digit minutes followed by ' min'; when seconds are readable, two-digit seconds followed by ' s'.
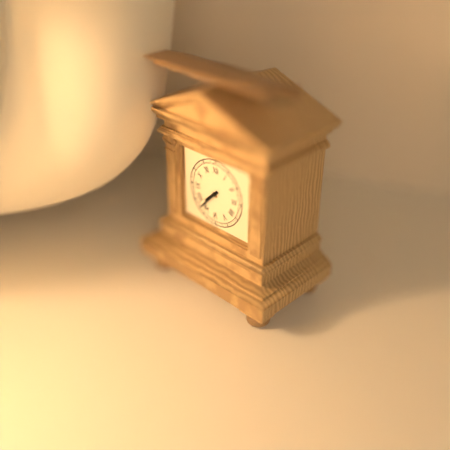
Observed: 7 h 37 min
